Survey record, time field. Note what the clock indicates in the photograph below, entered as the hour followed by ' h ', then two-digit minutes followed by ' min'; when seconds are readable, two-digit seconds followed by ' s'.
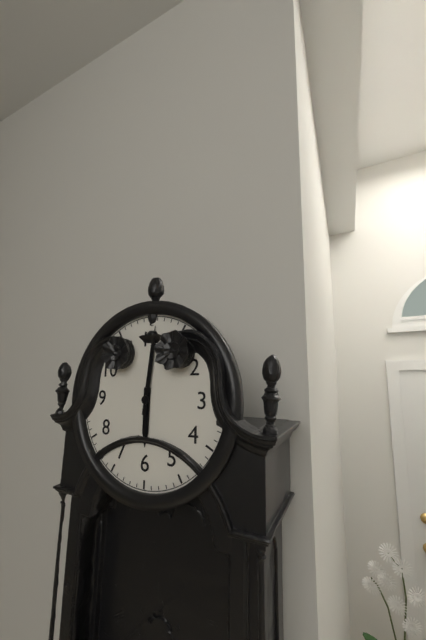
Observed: 6 h 01 min
